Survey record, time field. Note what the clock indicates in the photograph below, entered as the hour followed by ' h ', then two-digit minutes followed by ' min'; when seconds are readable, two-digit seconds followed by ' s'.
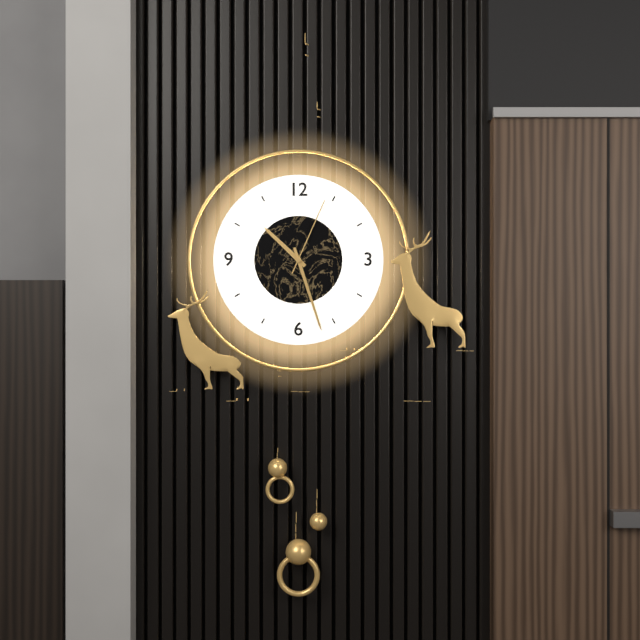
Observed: 10 h 27 min 04 s
